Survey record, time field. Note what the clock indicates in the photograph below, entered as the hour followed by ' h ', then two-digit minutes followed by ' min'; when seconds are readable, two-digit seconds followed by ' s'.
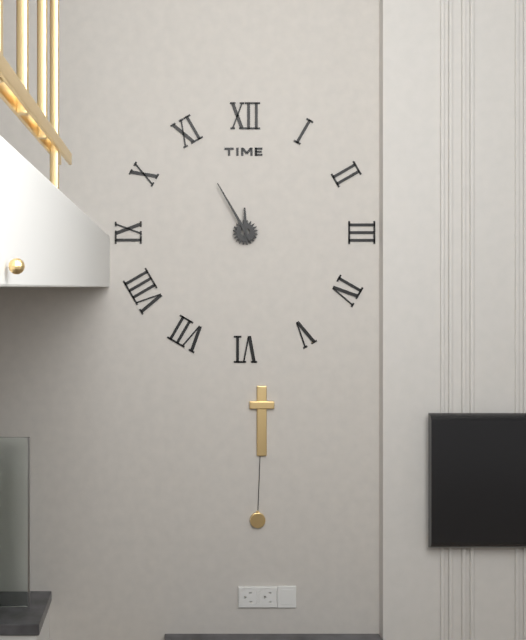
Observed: 11 h 55 min
